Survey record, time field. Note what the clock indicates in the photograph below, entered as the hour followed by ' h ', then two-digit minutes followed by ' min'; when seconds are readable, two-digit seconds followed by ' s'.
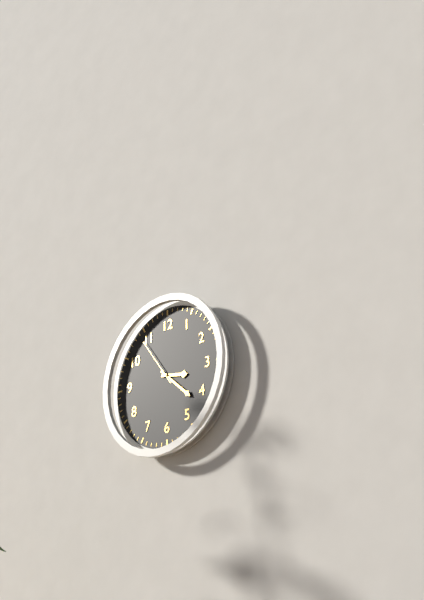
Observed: 3 h 22 min
